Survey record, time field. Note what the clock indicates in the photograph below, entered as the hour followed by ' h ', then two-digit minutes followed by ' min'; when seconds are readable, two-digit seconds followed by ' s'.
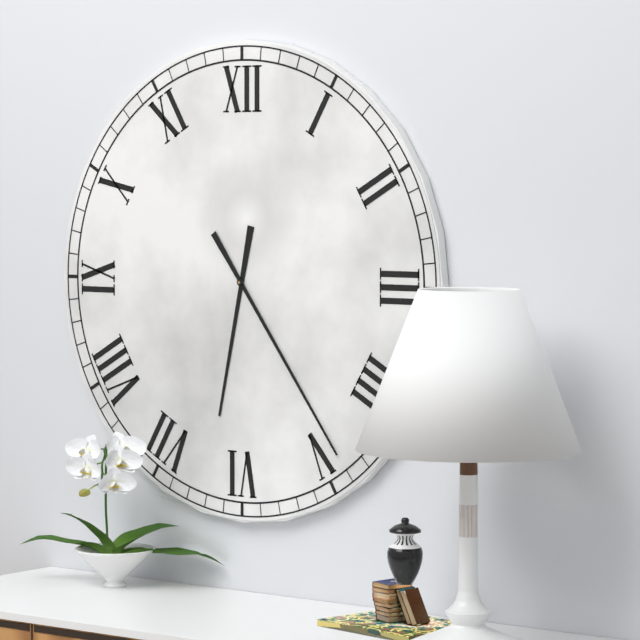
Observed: 6 h 24 min
